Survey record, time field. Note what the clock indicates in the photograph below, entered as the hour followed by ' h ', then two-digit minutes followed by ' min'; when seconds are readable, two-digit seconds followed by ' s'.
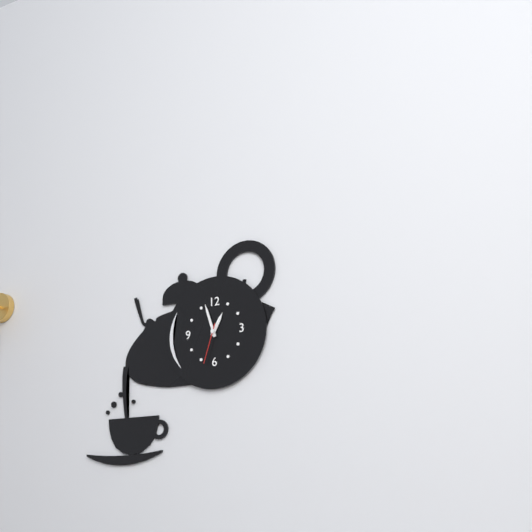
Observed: 12 h 57 min
